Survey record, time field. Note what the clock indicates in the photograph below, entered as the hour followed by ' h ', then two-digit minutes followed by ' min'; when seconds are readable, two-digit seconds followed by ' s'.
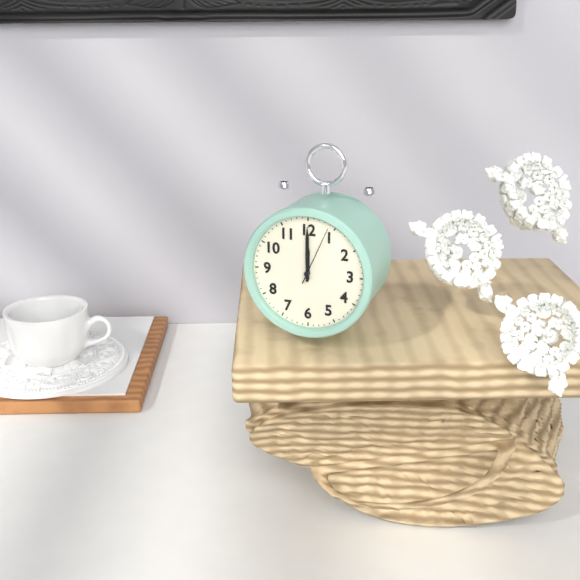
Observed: 12 h 00 min 04 s
